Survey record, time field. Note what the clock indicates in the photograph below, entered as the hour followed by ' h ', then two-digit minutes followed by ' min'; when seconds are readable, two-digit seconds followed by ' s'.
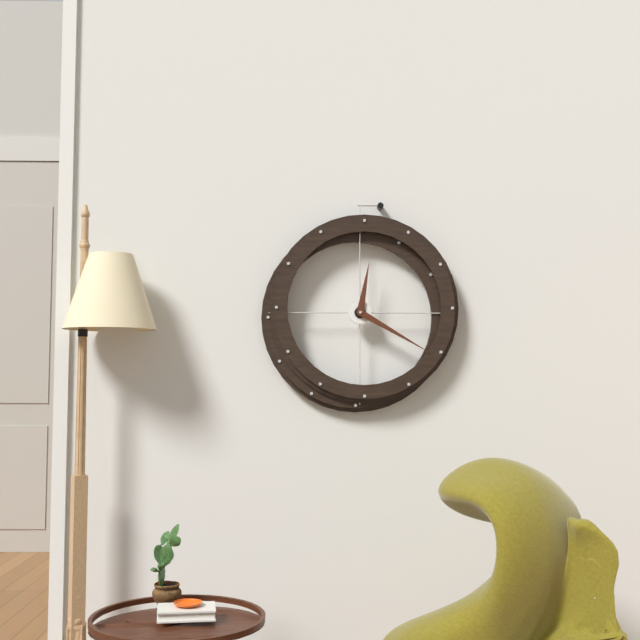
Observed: 12 h 20 min
